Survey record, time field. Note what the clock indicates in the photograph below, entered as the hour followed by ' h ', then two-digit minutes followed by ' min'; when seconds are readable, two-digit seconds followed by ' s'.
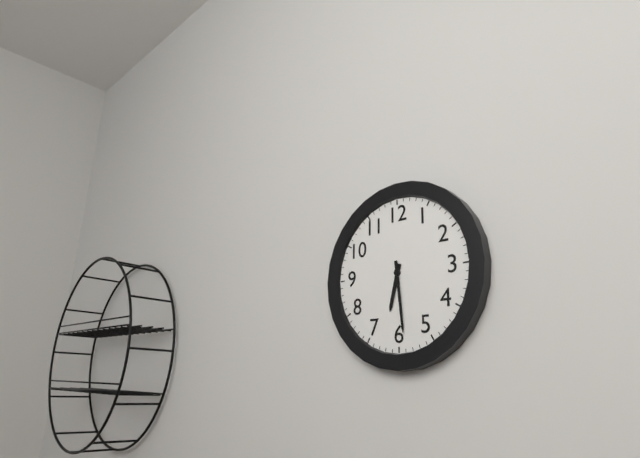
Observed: 6 h 29 min
